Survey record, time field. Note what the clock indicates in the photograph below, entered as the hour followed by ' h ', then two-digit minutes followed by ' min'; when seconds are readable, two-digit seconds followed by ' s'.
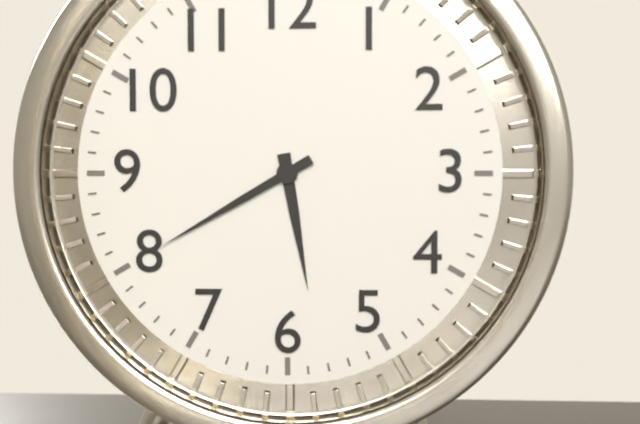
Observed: 5 h 40 min
